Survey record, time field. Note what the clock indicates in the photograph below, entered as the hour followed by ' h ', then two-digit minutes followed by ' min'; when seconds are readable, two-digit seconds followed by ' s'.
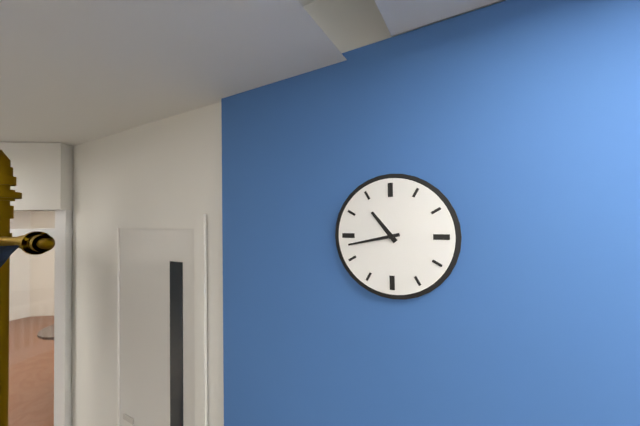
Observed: 10 h 43 min
